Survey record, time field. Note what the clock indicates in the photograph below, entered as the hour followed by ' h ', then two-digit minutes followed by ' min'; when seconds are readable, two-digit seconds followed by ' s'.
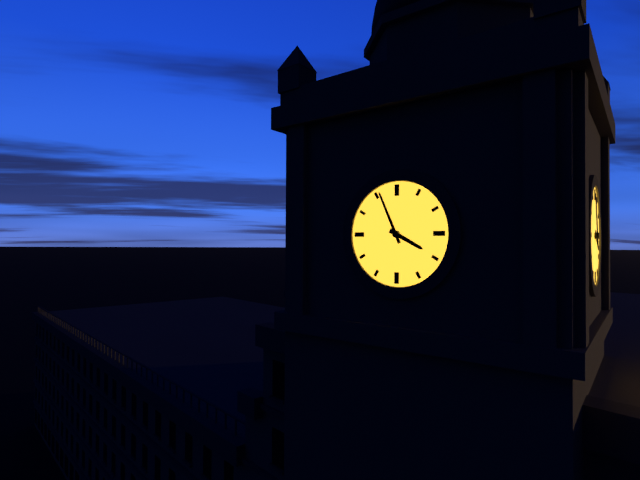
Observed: 3 h 56 min
